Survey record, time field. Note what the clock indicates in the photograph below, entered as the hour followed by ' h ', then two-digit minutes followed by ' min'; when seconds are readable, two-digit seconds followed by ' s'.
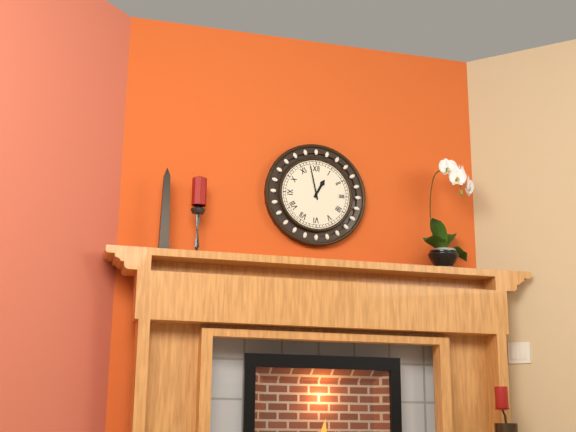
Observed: 12 h 58 min
